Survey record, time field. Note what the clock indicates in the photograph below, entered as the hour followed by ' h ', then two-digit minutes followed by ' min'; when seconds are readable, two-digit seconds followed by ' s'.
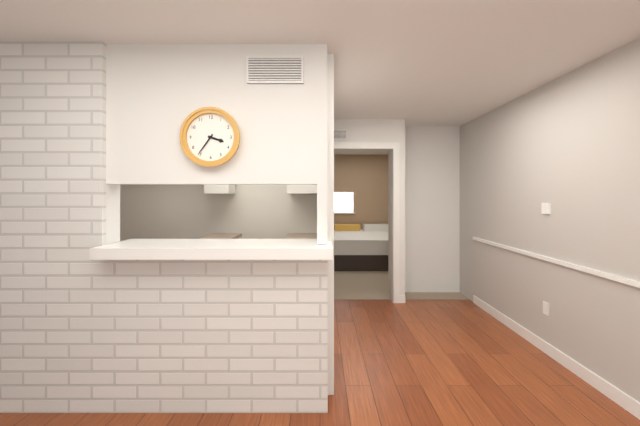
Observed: 3 h 36 min
